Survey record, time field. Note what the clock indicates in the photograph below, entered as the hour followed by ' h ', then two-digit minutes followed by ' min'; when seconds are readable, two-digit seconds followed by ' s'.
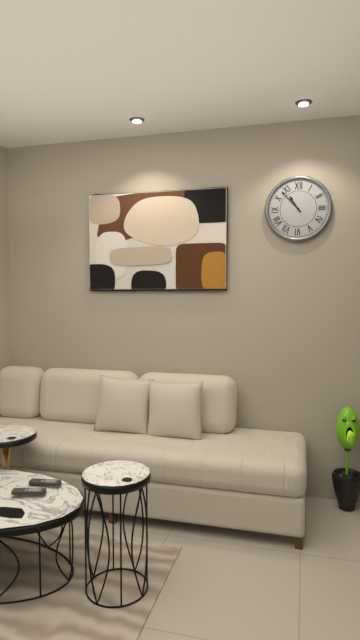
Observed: 10 h 53 min
